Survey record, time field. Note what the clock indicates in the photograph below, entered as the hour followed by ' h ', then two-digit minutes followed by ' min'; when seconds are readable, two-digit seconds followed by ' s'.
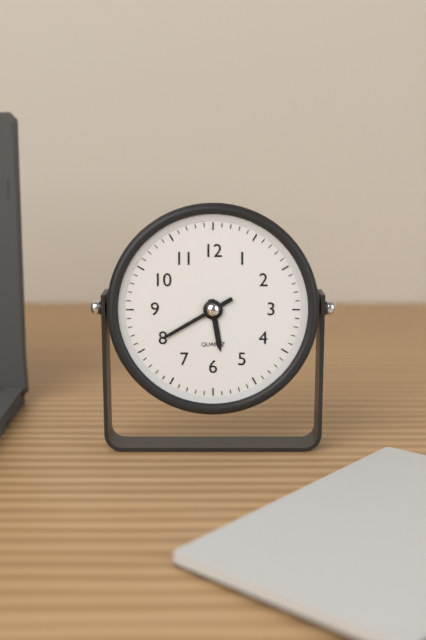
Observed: 5 h 40 min
